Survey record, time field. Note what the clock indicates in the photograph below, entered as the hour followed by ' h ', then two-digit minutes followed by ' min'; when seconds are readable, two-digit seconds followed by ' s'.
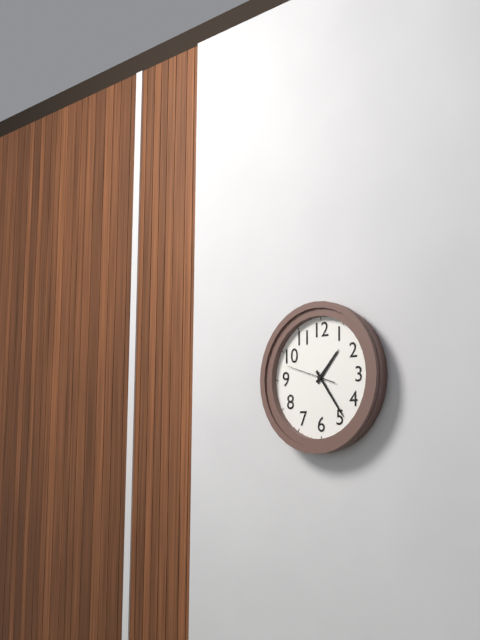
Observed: 1 h 24 min
